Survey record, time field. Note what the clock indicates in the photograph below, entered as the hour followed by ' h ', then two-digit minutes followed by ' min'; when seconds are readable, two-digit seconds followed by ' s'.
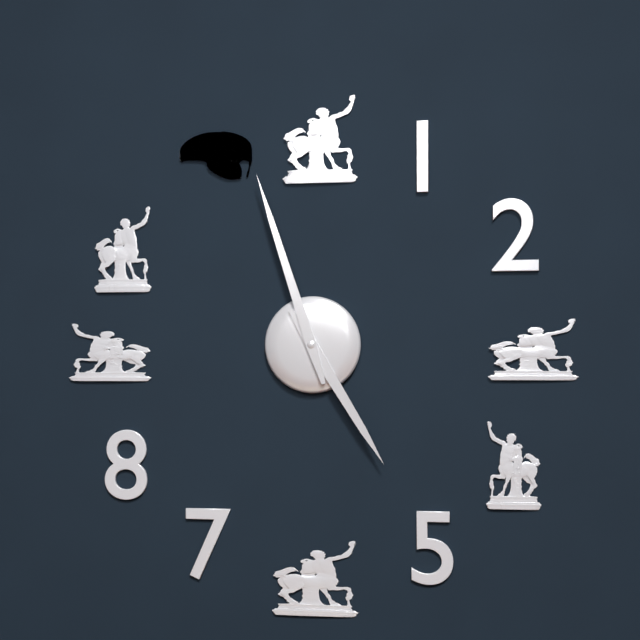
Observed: 4 h 57 min
